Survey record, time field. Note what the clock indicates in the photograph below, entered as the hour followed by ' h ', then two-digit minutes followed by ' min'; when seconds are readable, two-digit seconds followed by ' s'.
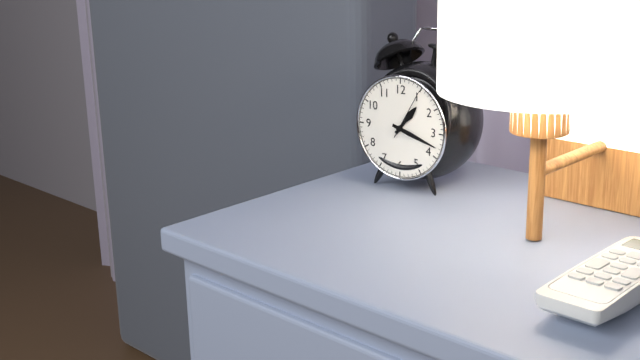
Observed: 1 h 18 min 05 s
